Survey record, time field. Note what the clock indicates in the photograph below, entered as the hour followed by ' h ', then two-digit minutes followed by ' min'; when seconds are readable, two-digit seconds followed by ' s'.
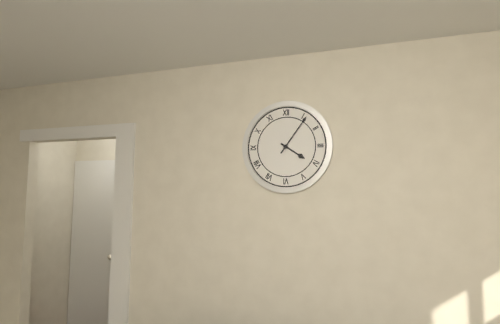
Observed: 4 h 06 min
